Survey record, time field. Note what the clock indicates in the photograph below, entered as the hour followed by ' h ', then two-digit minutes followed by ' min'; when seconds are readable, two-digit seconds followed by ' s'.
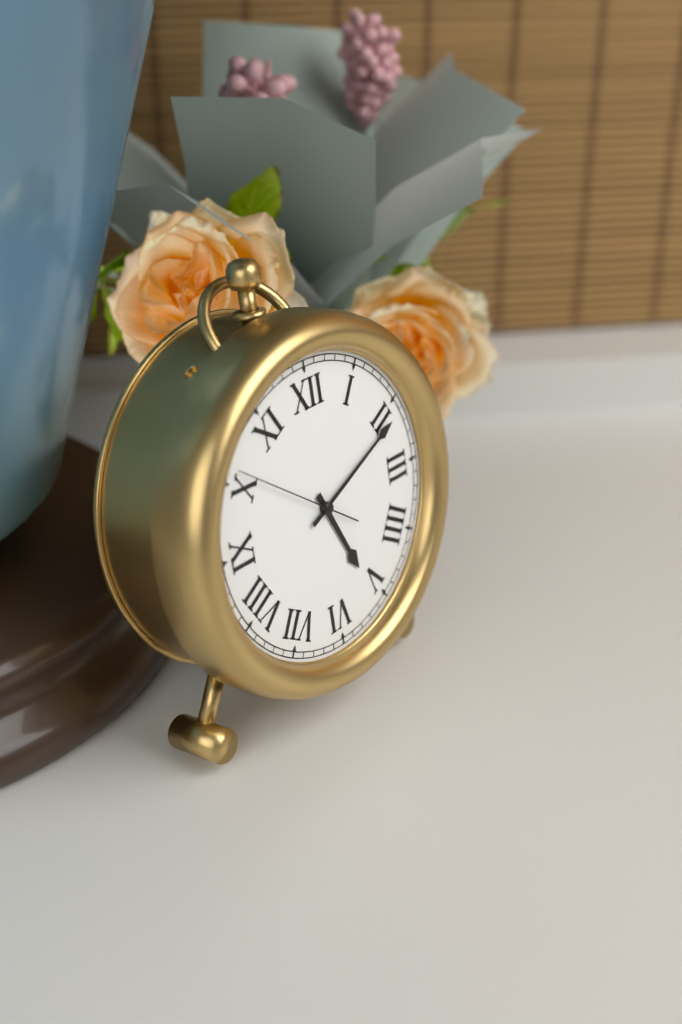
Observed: 5 h 11 min 51 s
